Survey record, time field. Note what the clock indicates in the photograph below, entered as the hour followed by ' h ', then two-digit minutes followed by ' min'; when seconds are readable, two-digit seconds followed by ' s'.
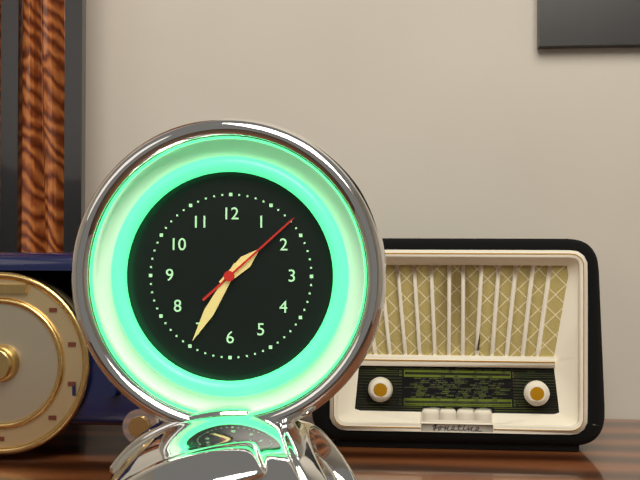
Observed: 1 h 35 min 08 s
